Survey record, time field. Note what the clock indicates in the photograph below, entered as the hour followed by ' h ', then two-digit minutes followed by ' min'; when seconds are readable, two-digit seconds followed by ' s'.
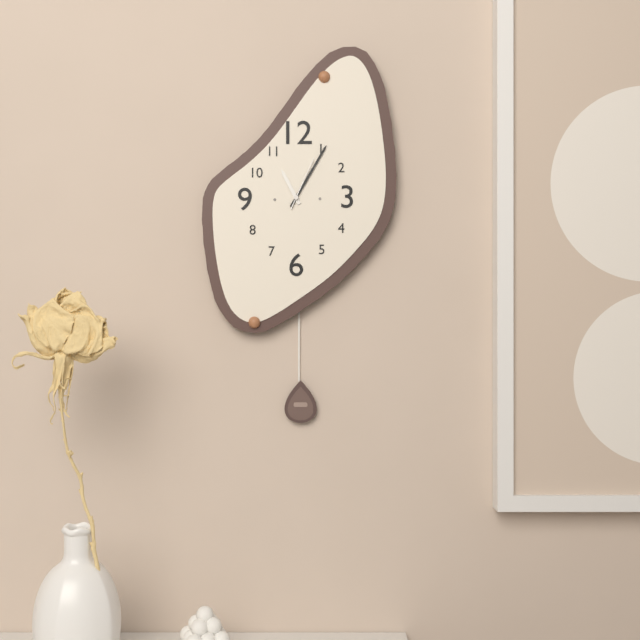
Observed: 11 h 05 min 04 s
